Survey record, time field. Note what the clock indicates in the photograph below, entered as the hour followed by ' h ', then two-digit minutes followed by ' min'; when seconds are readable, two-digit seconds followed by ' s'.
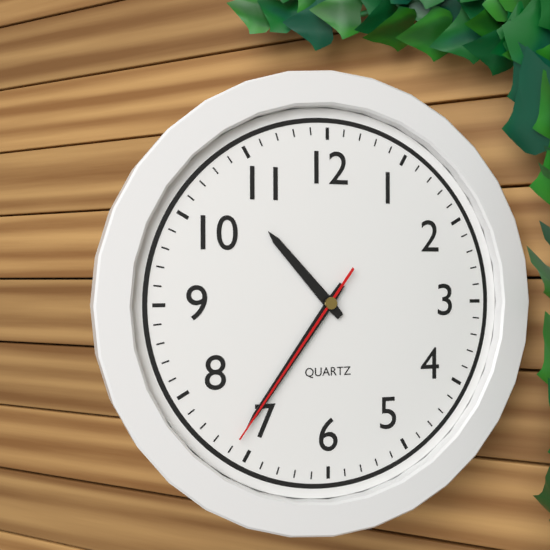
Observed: 10 h 36 min 36 s
